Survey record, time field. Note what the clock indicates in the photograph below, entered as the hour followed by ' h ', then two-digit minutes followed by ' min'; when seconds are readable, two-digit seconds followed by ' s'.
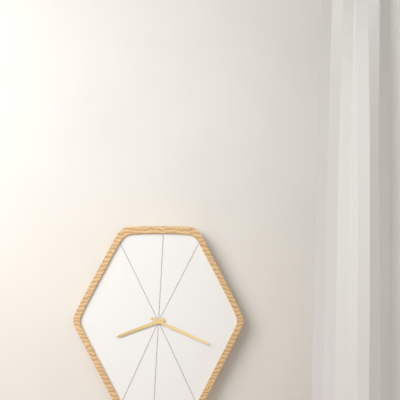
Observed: 8 h 19 min
